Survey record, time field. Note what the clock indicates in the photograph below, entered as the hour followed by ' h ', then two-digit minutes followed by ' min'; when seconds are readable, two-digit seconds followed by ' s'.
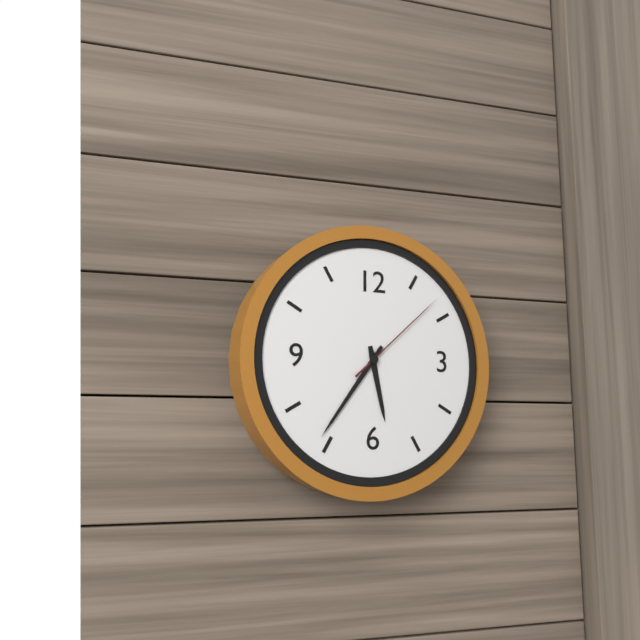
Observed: 5 h 36 min 08 s
